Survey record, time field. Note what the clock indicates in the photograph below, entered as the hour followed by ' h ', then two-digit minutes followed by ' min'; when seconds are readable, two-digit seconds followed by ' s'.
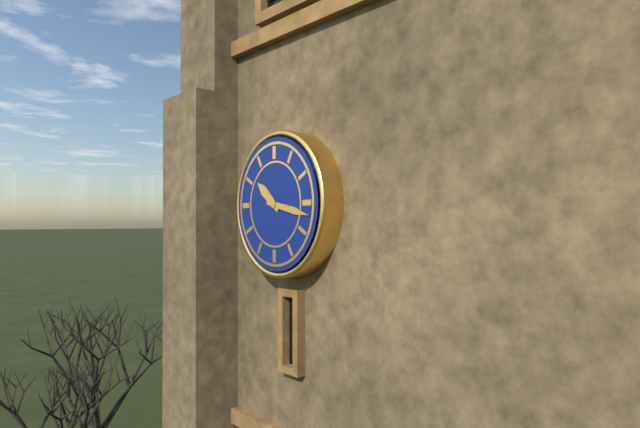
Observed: 10 h 17 min
